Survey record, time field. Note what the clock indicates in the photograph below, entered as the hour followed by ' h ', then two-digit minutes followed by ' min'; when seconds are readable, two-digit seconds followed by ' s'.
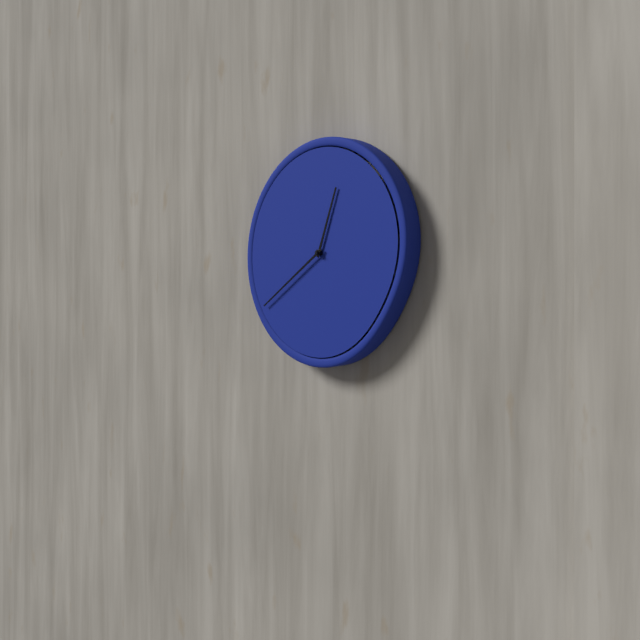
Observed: 12 h 39 min
